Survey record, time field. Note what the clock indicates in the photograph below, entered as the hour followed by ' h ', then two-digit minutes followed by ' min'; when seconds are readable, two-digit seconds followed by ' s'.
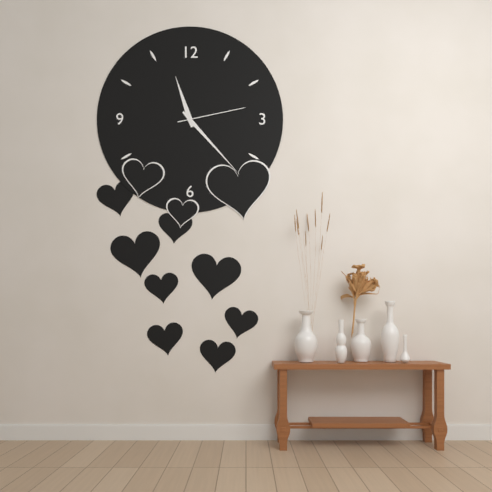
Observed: 11 h 23 min 13 s
